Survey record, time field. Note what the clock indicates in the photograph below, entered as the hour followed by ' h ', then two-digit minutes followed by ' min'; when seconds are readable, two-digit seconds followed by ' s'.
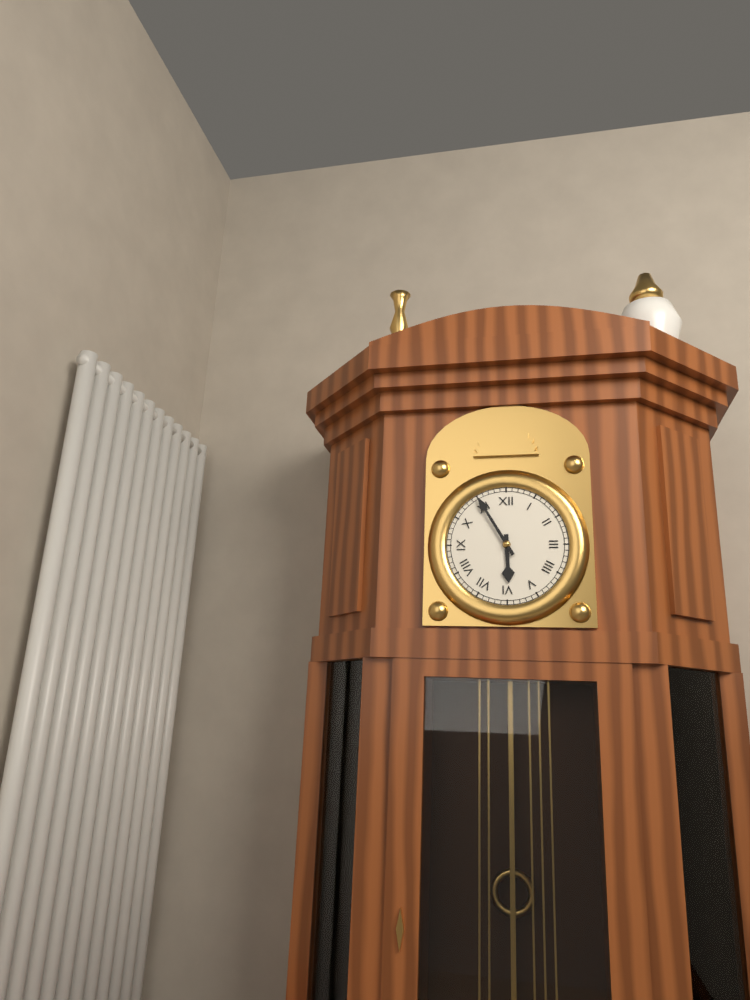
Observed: 5 h 55 min
